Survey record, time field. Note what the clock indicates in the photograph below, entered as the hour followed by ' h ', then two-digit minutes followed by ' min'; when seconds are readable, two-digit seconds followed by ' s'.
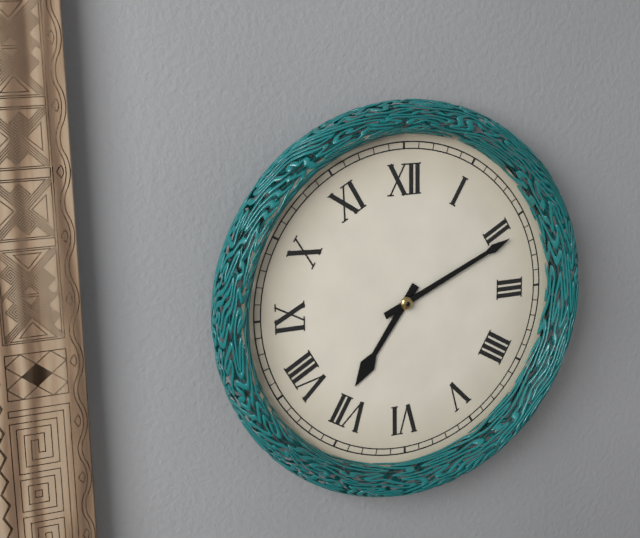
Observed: 7 h 11 min
